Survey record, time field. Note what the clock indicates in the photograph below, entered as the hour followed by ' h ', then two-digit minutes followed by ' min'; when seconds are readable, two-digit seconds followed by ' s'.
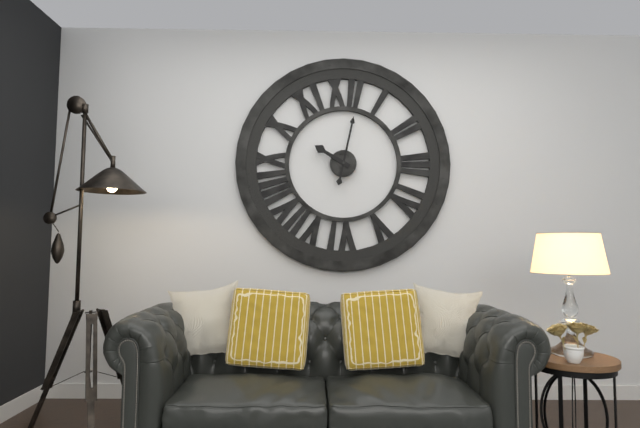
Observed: 10 h 02 min
